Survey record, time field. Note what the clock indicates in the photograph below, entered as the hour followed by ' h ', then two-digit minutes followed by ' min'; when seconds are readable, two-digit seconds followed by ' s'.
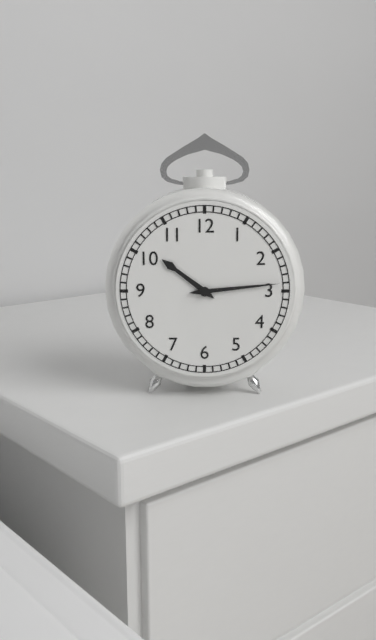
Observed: 10 h 14 min
